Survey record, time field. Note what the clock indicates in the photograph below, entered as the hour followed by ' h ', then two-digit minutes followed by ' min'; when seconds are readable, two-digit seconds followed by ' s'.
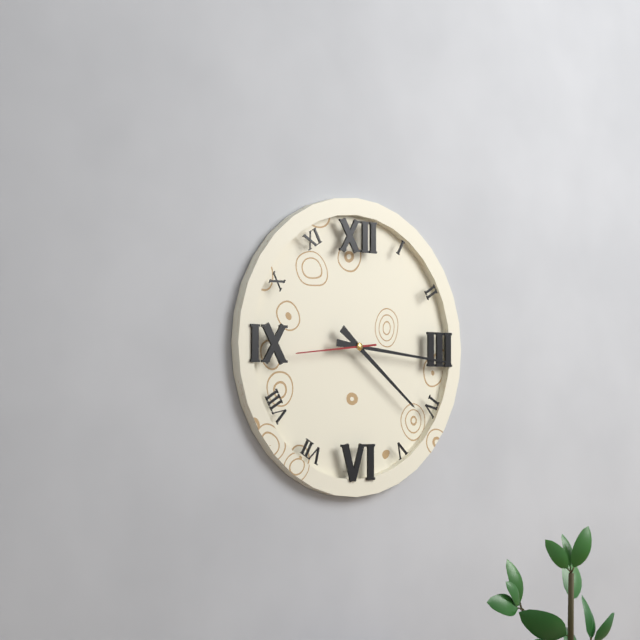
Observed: 4 h 16 min 44 s
